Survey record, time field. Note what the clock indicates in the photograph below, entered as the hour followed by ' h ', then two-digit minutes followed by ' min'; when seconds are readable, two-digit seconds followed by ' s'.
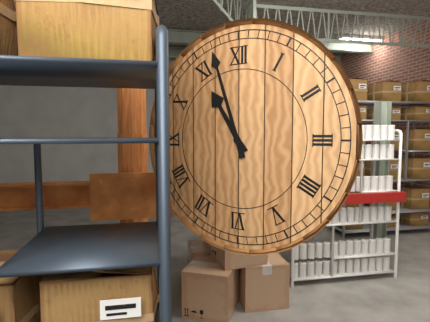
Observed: 10 h 57 min
